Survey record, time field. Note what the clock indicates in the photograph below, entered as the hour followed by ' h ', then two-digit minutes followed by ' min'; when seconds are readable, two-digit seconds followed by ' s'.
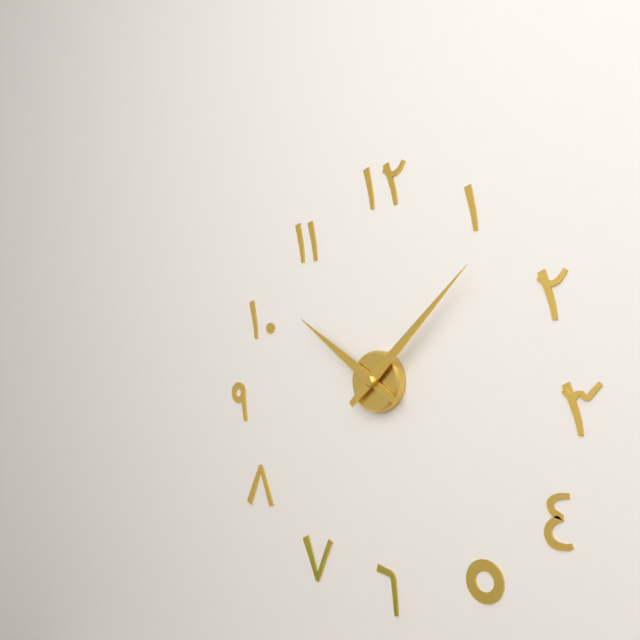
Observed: 10 h 08 min
